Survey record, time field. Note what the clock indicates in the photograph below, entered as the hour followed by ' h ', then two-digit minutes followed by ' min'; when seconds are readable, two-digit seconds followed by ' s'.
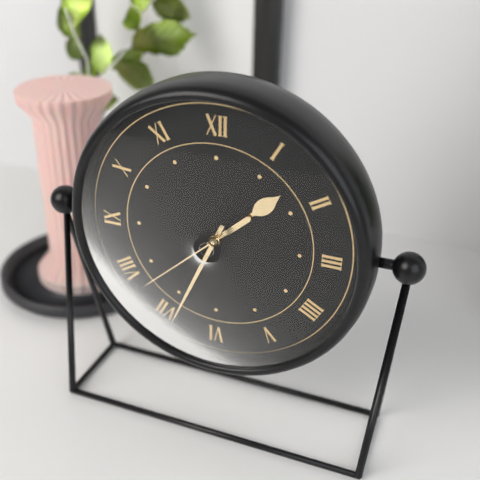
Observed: 1 h 34 min 38 s
